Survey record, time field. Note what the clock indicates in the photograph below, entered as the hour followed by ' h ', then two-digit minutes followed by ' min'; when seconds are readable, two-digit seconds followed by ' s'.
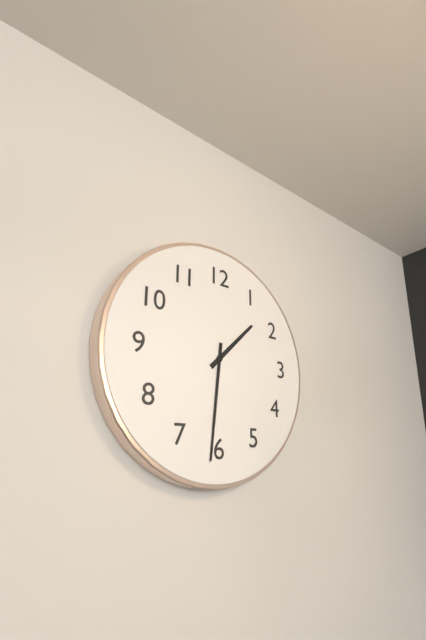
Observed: 1 h 31 min
